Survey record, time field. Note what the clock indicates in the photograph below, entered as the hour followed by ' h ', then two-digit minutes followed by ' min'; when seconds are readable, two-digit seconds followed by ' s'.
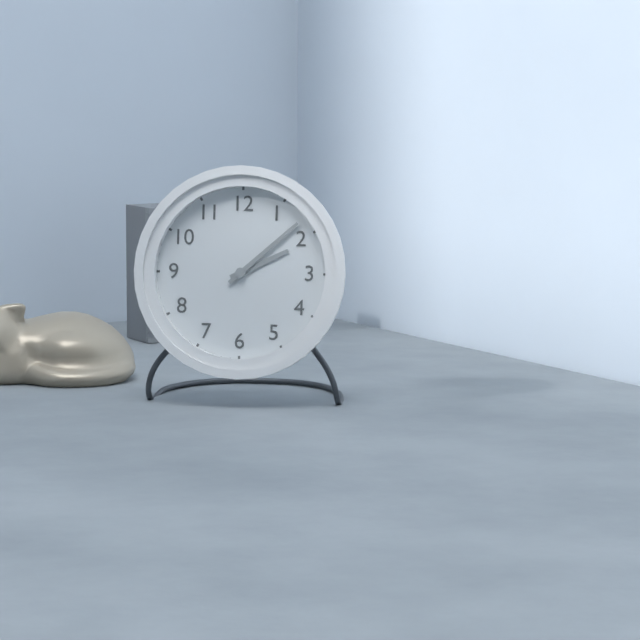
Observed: 2 h 08 min
